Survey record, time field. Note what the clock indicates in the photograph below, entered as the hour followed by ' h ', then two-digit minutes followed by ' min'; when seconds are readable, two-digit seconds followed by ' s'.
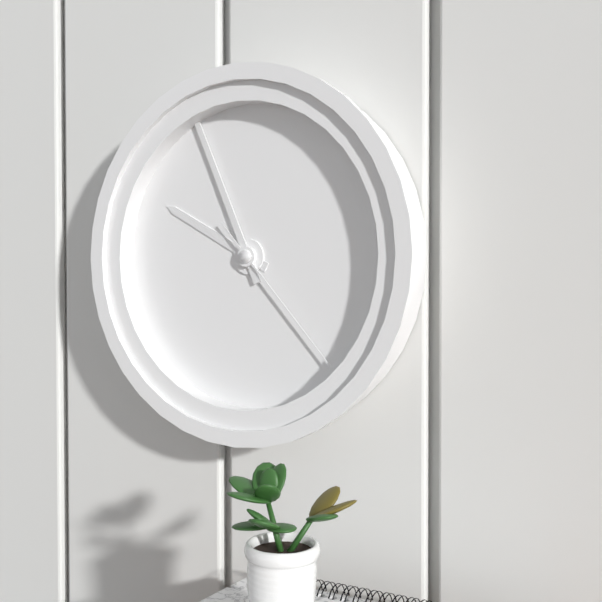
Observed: 9 h 56 min 23 s
